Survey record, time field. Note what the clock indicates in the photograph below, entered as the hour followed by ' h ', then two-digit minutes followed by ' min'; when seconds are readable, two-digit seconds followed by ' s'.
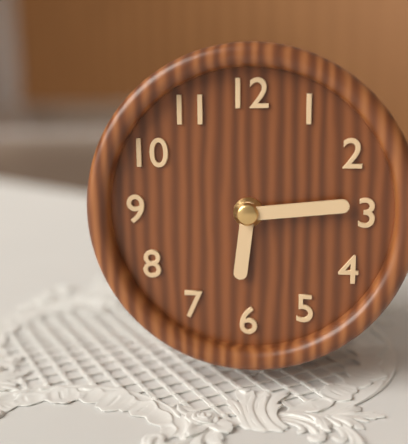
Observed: 6 h 14 min
